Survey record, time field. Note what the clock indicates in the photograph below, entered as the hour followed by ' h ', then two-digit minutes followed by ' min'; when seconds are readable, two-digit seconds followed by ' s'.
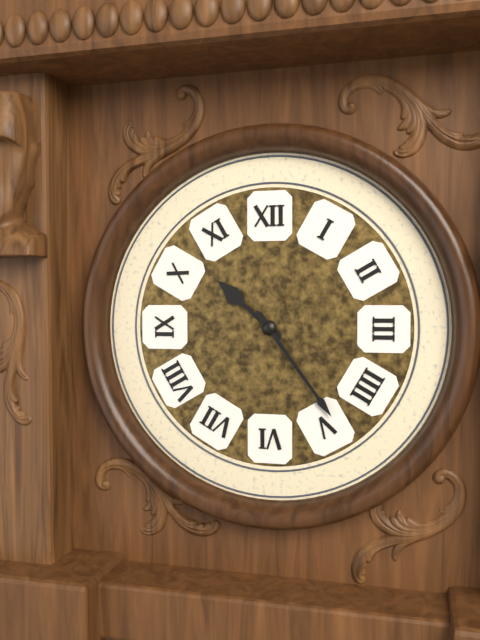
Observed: 10 h 24 min
